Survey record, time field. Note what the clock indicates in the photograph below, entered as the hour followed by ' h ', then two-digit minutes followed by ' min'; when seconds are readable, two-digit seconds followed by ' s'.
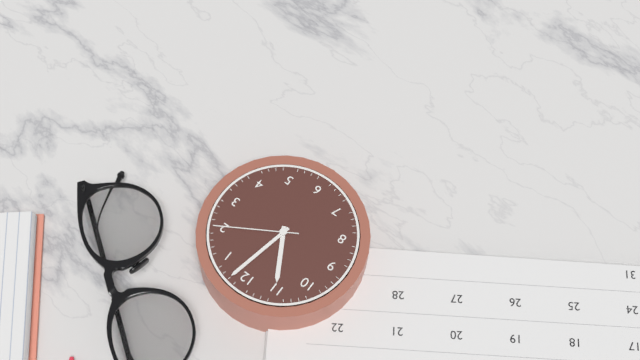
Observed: 11 h 02 min 10 s
